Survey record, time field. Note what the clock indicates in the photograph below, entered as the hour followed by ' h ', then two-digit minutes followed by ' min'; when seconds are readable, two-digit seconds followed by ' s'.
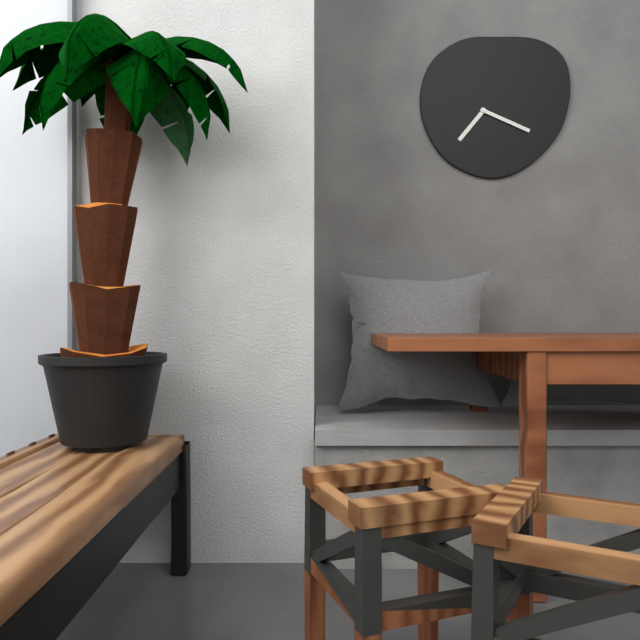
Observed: 7 h 19 min
